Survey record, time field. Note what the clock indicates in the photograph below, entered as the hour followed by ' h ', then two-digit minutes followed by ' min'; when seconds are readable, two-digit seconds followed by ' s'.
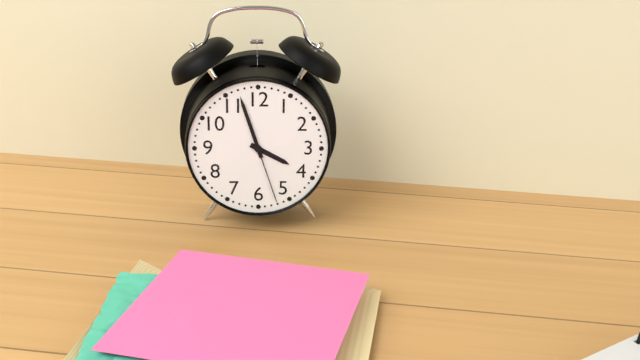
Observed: 3 h 57 min 27 s
